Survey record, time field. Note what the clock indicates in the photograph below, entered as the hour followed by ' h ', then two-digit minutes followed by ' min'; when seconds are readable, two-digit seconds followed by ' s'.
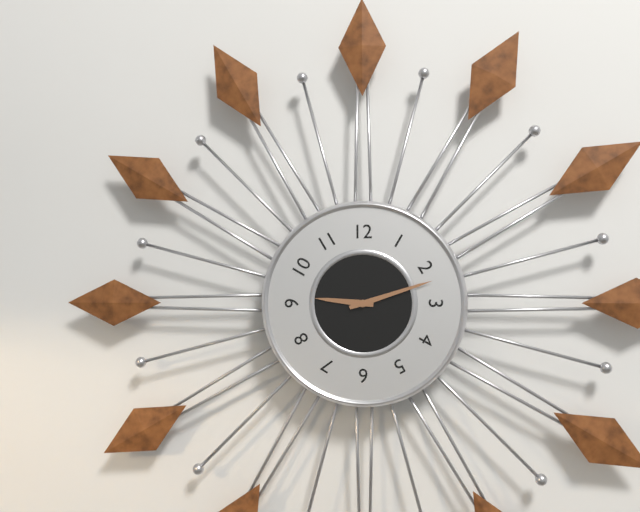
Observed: 9 h 12 min
